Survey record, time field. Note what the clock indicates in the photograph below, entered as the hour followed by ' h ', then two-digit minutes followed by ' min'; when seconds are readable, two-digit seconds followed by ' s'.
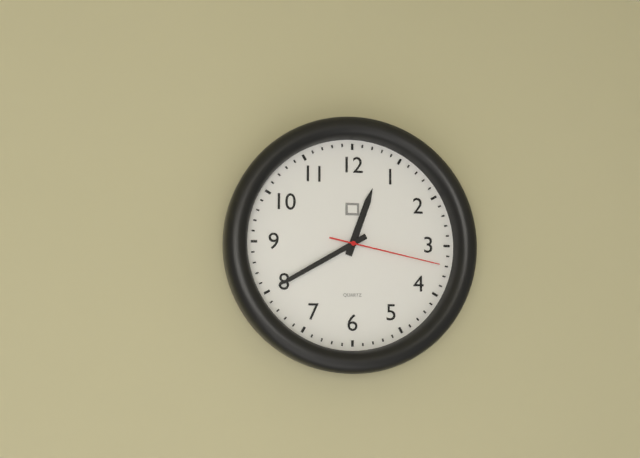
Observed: 12 h 40 min 17 s
